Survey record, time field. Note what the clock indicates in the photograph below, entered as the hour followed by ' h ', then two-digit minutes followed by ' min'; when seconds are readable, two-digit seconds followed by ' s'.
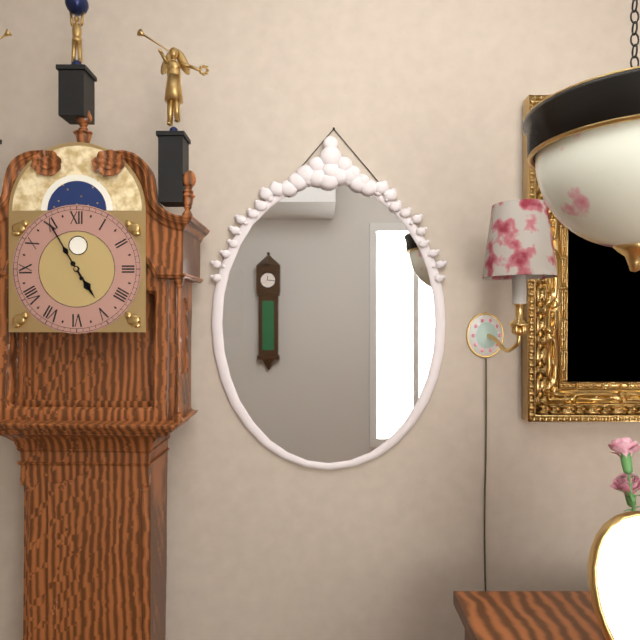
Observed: 4 h 55 min
